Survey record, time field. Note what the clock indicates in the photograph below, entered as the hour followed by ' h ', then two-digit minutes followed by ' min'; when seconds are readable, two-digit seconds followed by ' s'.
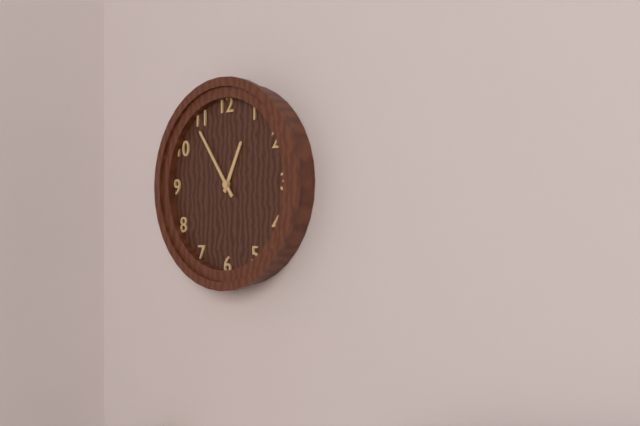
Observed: 12 h 54 min
